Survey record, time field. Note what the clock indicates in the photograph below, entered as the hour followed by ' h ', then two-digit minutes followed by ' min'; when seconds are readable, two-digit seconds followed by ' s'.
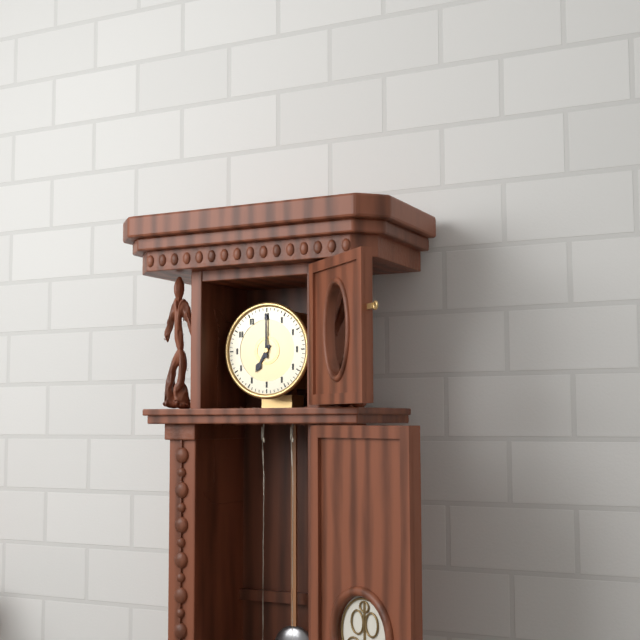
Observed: 7 h 00 min
